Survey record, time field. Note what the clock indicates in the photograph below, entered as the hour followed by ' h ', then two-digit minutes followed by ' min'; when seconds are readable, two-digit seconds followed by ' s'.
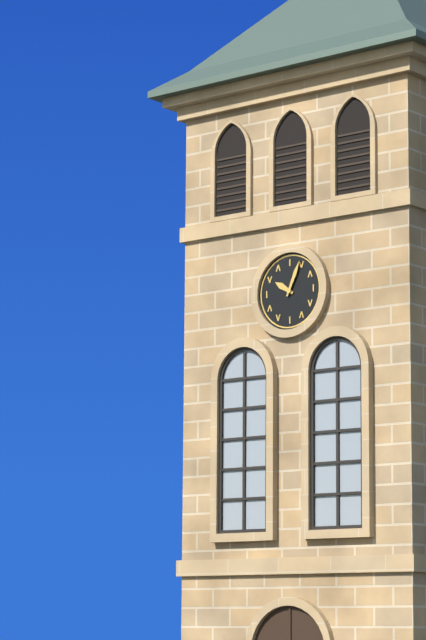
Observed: 10 h 04 min
